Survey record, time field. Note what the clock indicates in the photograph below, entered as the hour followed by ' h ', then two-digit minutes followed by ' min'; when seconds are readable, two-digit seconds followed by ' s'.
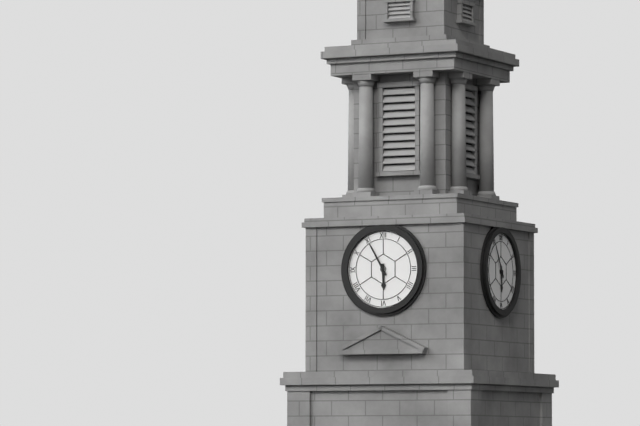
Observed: 5 h 55 min
